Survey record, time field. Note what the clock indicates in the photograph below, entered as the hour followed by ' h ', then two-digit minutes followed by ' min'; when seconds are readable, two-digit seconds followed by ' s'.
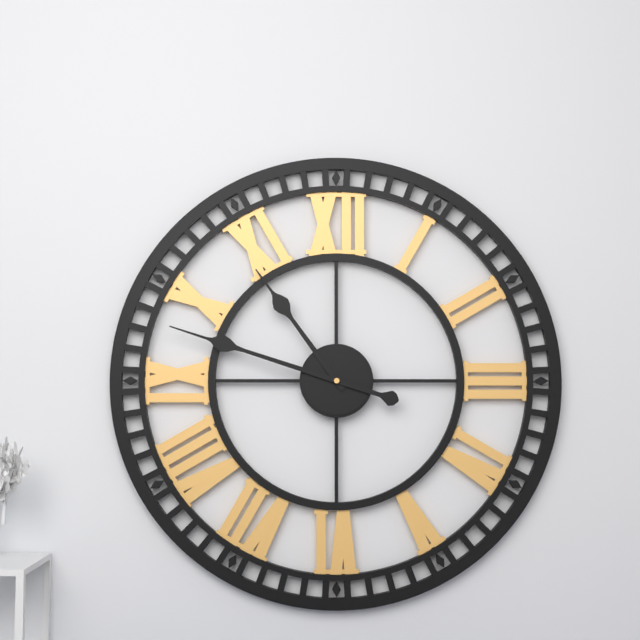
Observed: 10 h 48 min
